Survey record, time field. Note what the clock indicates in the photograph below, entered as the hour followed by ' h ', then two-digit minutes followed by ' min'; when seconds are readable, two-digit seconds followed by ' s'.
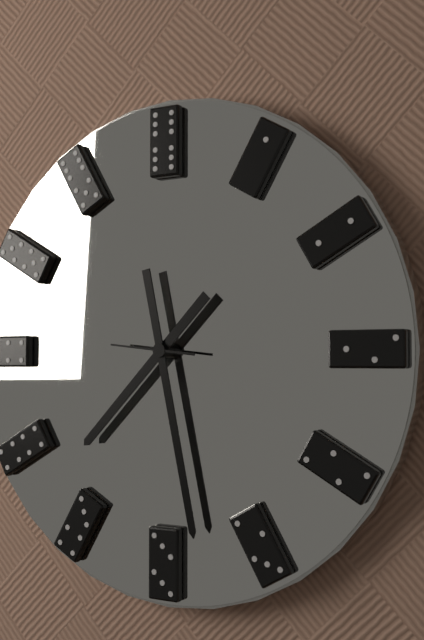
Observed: 7 h 28 min 46 s
